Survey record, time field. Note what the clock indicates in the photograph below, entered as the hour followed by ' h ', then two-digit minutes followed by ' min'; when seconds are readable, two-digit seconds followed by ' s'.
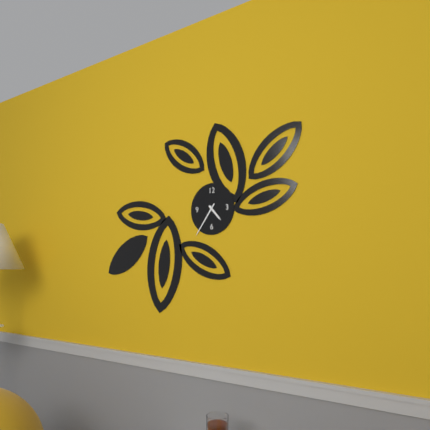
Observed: 4 h 36 min
